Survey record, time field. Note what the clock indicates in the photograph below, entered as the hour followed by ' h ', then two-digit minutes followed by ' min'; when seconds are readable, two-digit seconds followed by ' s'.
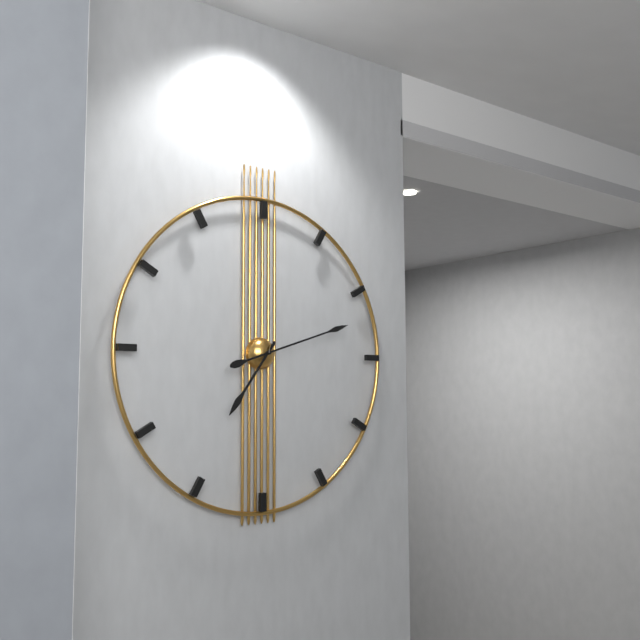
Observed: 7 h 12 min
